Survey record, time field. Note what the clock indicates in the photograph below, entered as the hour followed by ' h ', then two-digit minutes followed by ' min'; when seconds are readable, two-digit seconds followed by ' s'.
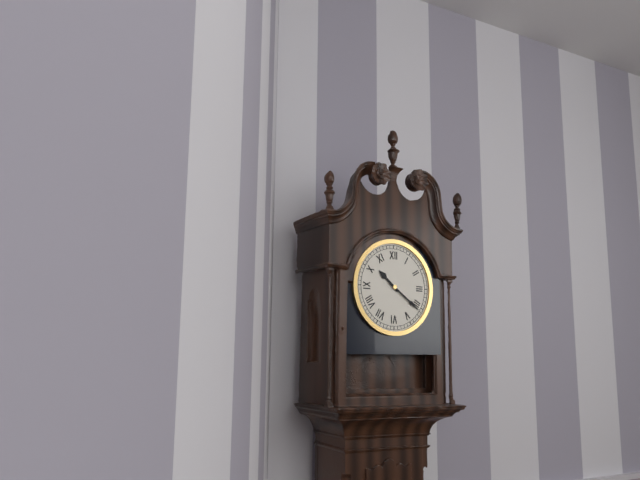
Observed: 10 h 21 min
